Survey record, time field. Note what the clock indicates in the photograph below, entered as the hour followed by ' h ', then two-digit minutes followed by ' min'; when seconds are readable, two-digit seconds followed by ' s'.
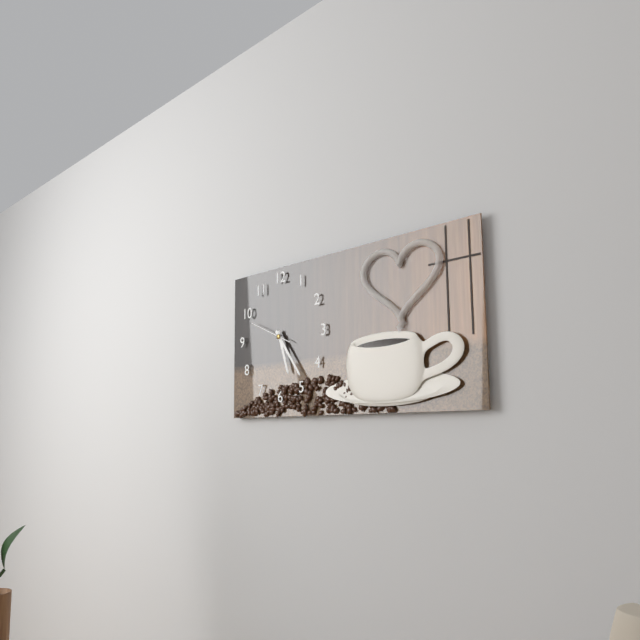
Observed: 5 h 24 min
